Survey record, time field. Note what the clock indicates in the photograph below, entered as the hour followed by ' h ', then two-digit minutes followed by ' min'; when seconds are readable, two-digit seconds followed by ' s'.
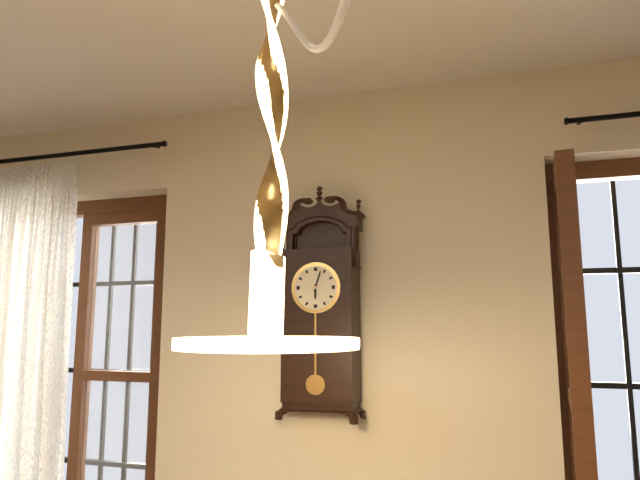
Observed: 6 h 03 min
